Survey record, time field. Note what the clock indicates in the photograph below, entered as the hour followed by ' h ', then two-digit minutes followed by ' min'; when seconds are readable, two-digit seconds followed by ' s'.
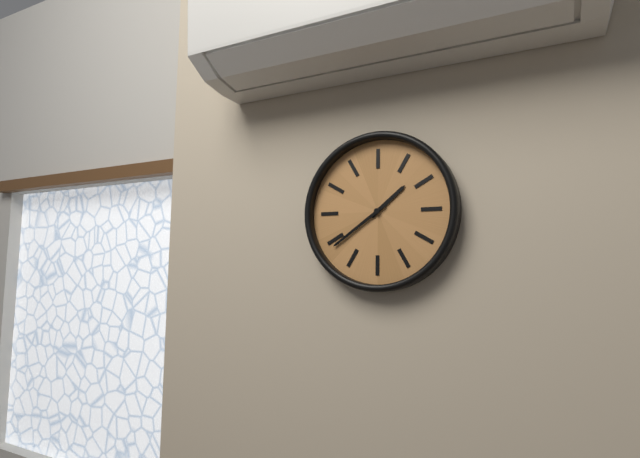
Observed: 1 h 39 min
